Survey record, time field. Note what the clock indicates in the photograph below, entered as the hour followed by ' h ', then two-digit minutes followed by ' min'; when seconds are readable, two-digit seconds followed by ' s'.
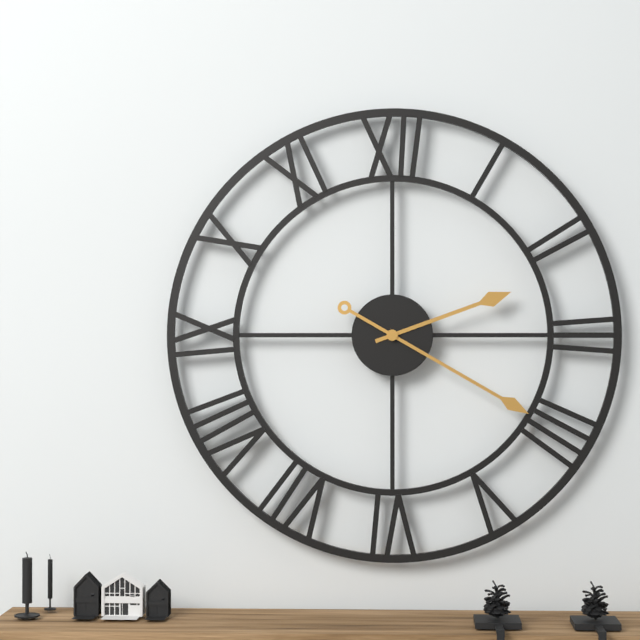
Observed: 2 h 20 min
